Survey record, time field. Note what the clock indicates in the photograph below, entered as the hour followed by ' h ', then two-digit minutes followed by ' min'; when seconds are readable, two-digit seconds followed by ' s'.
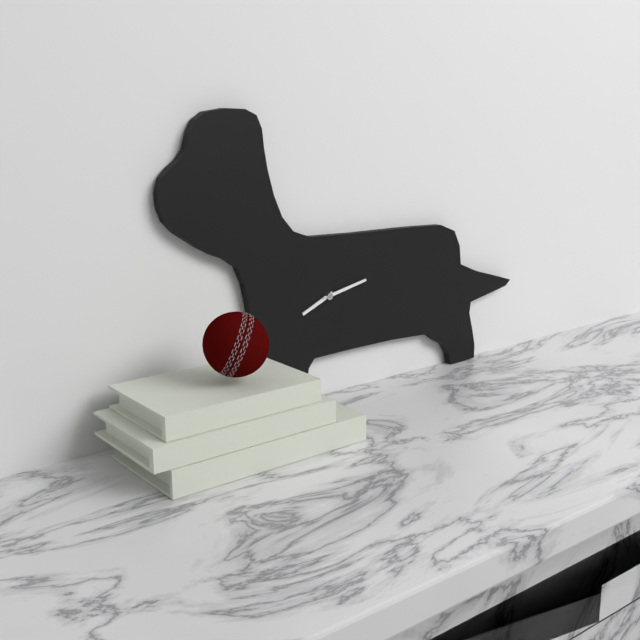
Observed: 8 h 13 min
